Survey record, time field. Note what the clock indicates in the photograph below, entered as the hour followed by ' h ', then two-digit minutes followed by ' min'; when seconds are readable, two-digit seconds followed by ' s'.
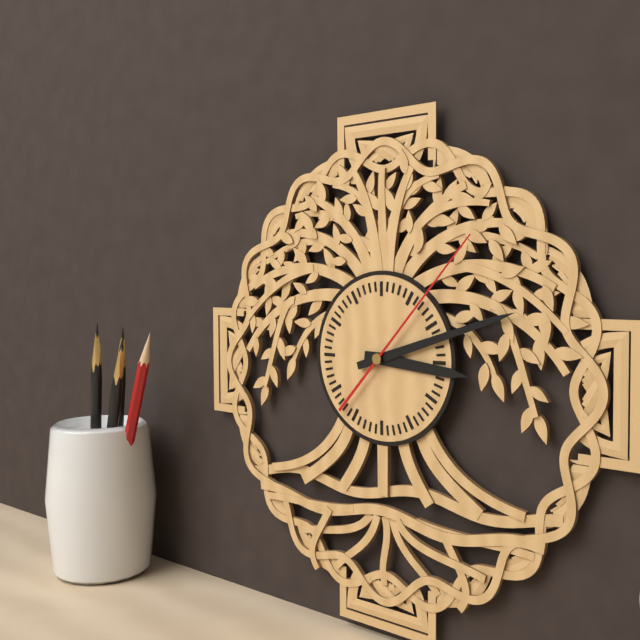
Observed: 3 h 12 min 07 s
